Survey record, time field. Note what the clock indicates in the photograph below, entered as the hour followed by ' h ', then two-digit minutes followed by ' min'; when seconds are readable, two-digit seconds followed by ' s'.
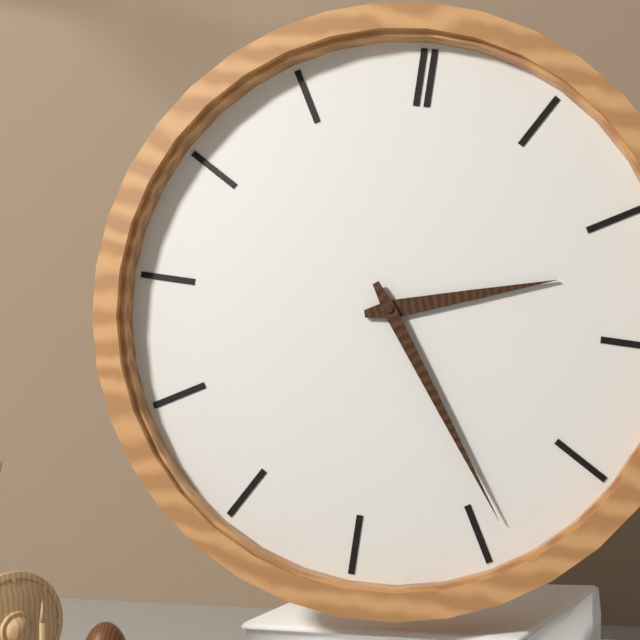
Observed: 2 h 24 min
